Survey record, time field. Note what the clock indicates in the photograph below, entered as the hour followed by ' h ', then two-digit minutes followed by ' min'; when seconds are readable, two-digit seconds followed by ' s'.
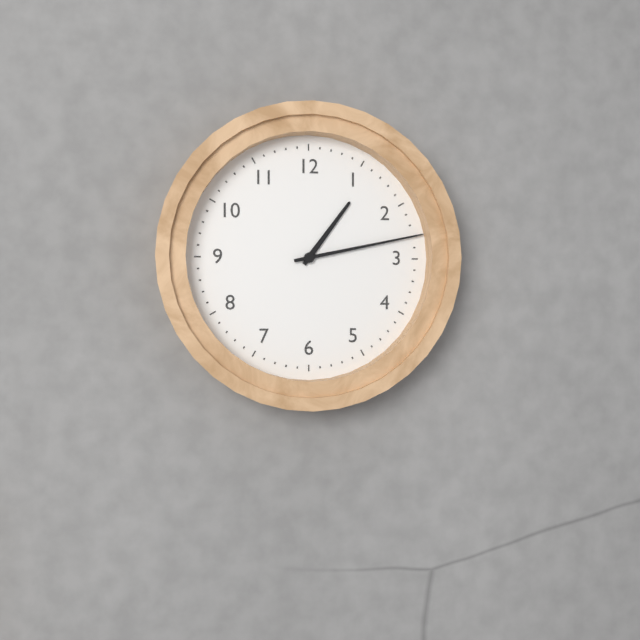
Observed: 1 h 13 min
